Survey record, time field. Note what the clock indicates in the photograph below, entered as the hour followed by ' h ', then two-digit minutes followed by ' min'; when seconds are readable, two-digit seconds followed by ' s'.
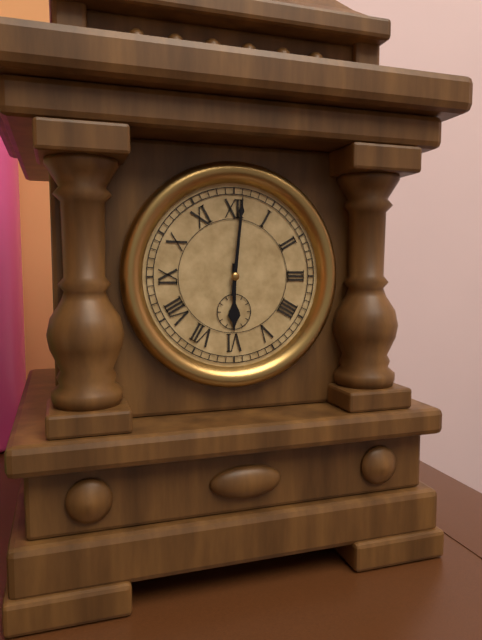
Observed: 6 h 01 min
